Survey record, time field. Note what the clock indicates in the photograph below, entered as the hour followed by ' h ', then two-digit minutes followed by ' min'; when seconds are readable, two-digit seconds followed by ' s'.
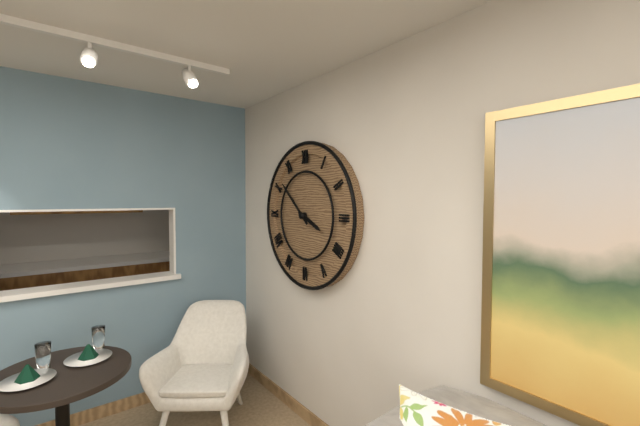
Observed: 3 h 52 min
